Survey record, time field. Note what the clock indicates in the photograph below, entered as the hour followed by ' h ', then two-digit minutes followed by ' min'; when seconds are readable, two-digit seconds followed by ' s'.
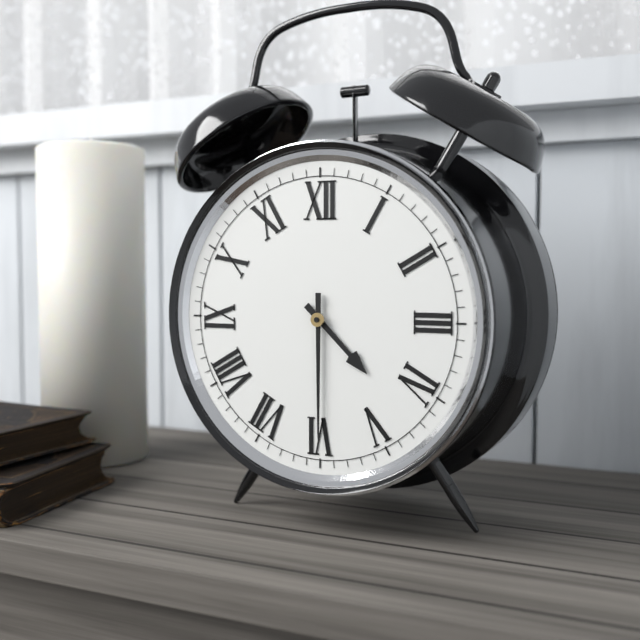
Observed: 4 h 30 min
